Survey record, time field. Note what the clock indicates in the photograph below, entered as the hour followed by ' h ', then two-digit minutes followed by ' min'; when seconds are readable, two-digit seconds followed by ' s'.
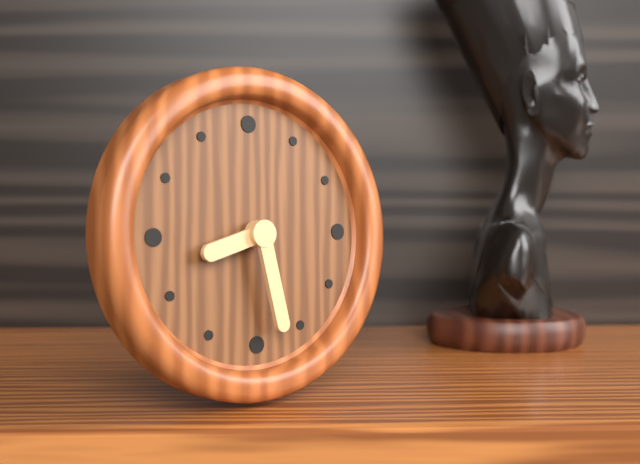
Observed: 8 h 28 min
